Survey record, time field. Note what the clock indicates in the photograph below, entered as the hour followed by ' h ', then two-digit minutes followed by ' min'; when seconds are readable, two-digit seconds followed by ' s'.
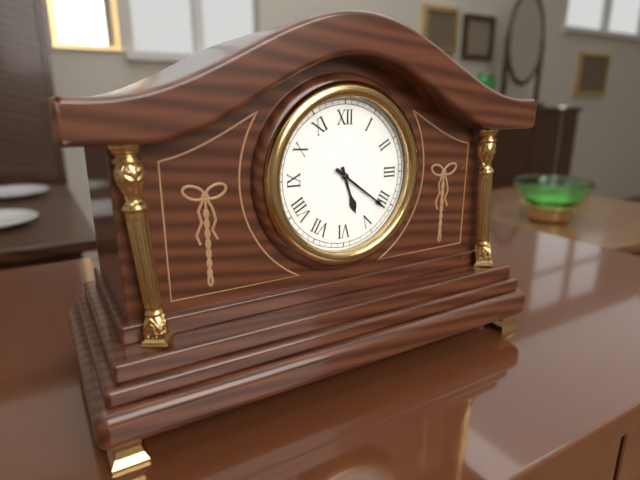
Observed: 5 h 21 min
